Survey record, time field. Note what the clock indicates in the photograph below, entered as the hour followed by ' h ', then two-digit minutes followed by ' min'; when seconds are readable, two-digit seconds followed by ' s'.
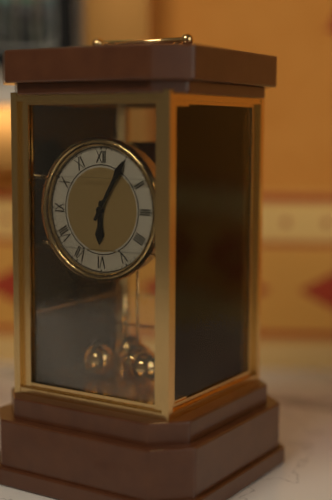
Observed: 6 h 05 min
